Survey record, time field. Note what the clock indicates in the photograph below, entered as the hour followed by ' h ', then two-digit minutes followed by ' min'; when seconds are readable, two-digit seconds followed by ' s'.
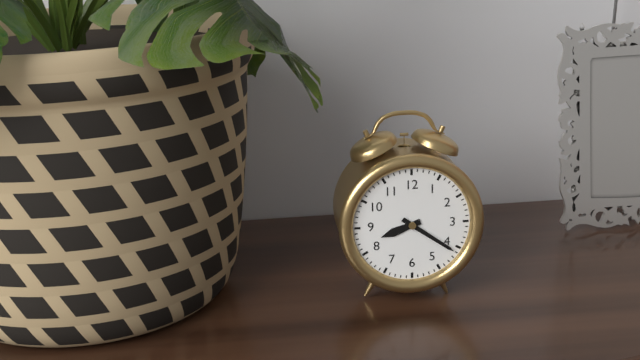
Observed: 8 h 21 min
